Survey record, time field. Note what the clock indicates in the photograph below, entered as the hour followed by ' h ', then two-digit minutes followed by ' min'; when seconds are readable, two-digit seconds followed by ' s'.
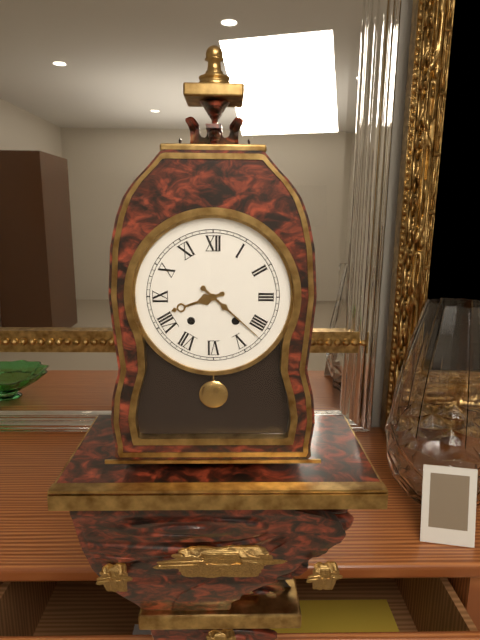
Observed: 8 h 22 min
